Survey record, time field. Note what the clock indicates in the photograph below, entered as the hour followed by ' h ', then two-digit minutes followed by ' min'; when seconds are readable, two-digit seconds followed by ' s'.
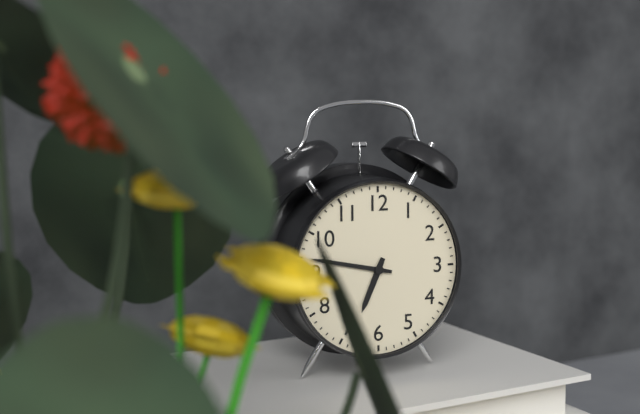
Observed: 6 h 47 min
